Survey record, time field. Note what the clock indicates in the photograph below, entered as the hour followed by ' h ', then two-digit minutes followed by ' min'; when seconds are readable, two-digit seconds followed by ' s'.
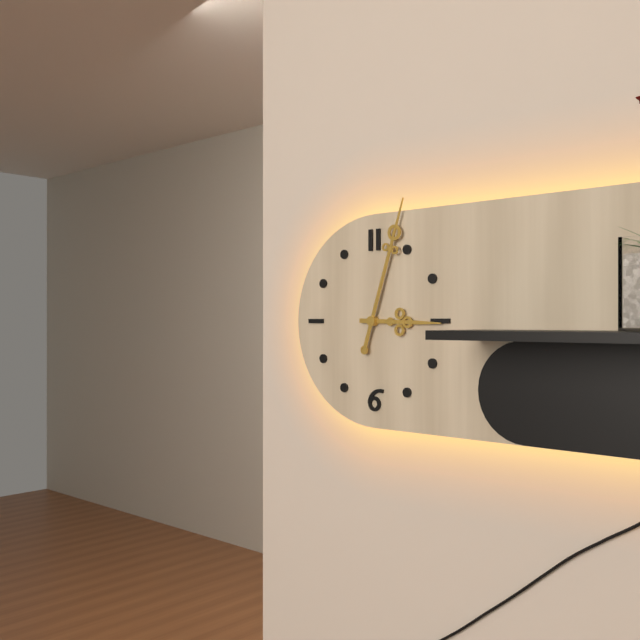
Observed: 3 h 03 min
